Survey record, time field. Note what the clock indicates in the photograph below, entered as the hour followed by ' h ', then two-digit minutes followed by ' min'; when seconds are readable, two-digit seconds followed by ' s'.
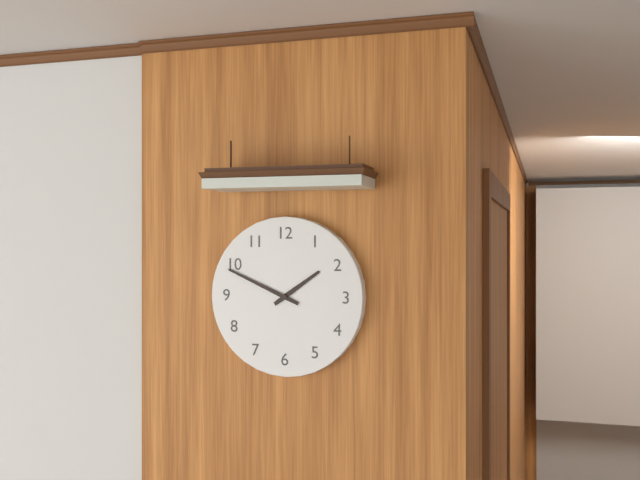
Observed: 1 h 49 min
